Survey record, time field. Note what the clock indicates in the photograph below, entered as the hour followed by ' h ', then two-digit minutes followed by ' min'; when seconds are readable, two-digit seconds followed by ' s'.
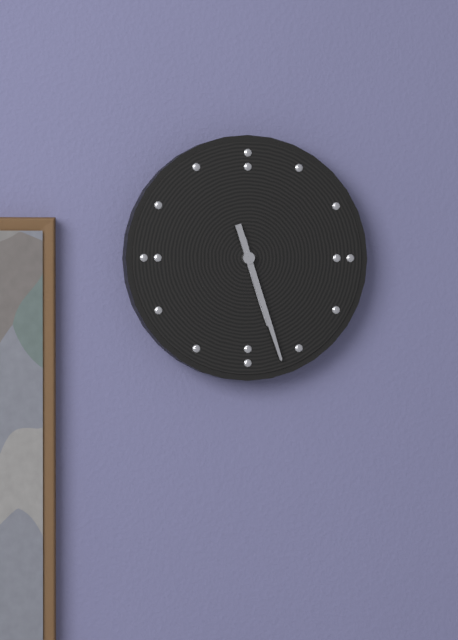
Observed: 5 h 27 min
